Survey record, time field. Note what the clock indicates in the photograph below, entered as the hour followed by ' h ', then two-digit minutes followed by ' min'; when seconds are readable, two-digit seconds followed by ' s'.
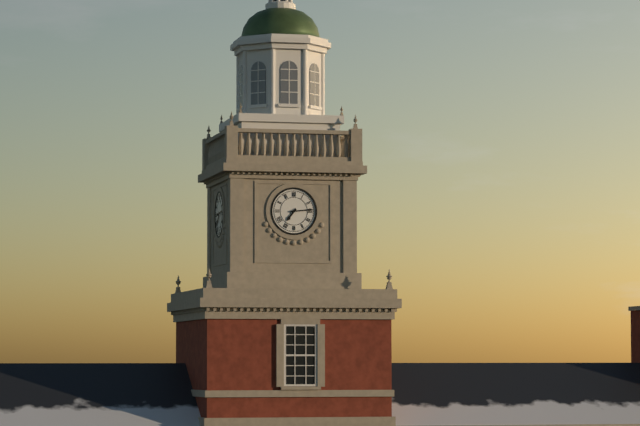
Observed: 7 h 14 min
